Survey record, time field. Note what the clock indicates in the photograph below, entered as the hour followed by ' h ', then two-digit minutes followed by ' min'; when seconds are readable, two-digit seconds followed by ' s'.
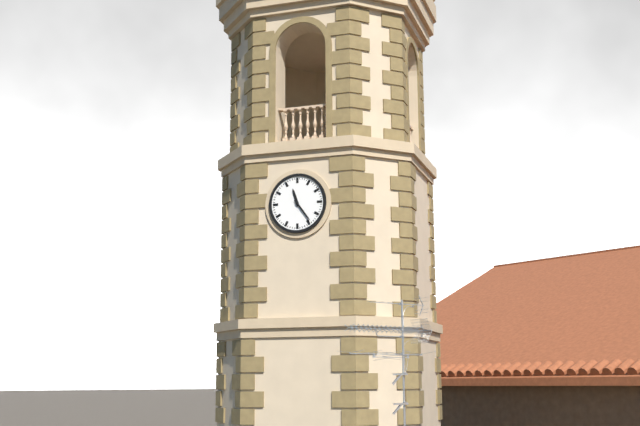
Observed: 11 h 24 min
